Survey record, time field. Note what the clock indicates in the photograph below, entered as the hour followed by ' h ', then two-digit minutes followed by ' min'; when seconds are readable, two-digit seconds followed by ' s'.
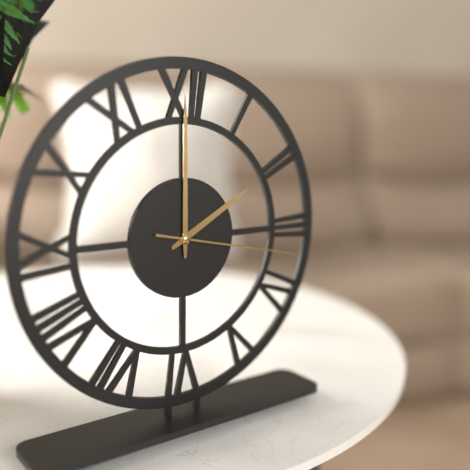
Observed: 2 h 00 min 17 s
